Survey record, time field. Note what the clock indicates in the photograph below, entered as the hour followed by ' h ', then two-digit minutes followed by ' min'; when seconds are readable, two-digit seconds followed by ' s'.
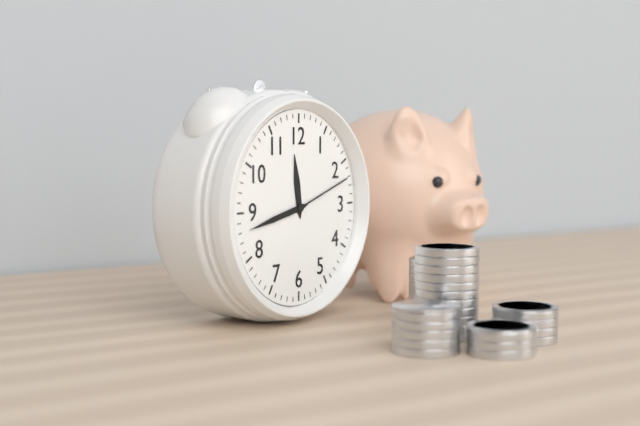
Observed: 11 h 43 min 12 s
